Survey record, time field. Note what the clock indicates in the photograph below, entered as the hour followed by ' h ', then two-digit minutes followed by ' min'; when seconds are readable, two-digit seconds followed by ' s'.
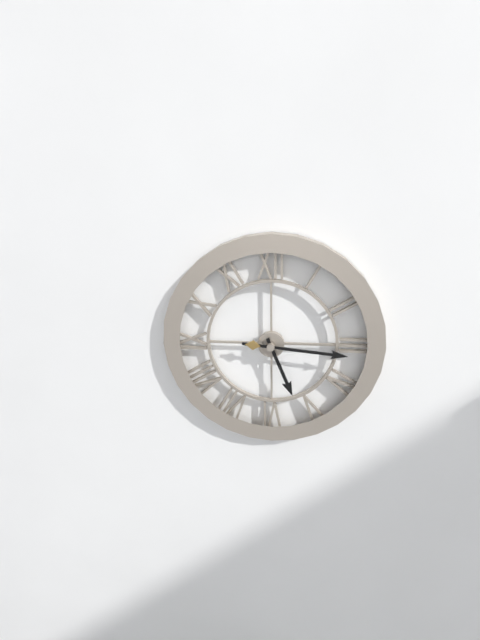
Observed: 5 h 16 min
